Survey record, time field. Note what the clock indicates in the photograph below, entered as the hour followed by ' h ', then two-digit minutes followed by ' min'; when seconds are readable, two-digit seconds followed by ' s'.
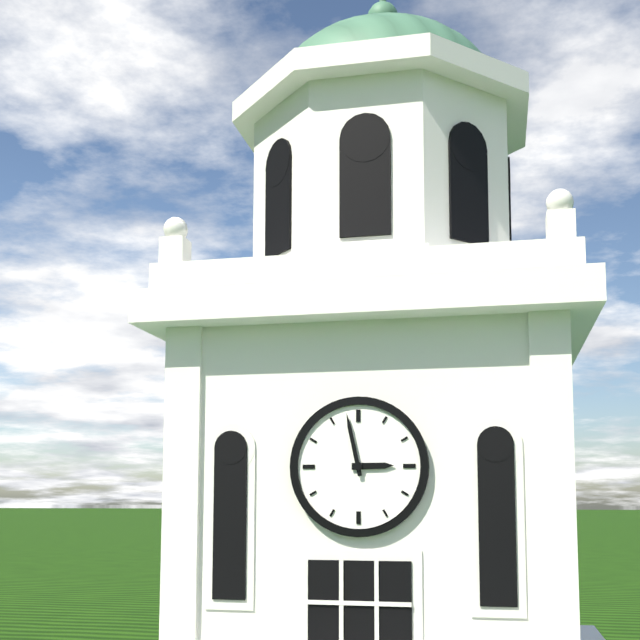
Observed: 2 h 58 min
